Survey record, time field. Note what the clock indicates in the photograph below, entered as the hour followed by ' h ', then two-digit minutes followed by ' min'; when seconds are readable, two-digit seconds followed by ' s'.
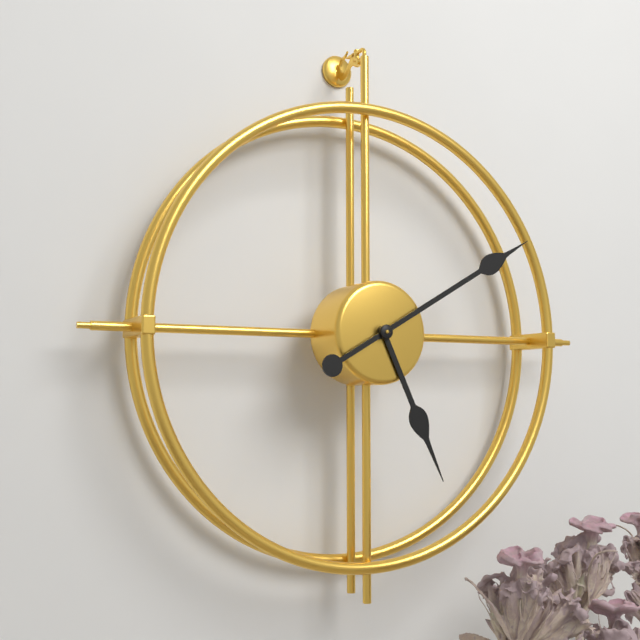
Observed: 5 h 10 min
